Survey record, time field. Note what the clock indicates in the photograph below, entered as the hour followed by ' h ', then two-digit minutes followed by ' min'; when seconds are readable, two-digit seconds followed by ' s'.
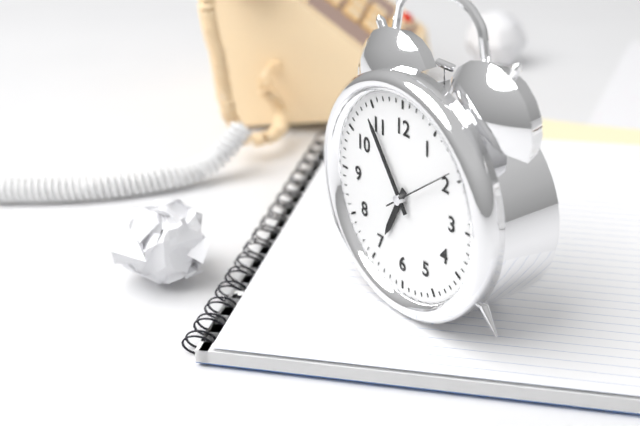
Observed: 6 h 54 min 09 s
